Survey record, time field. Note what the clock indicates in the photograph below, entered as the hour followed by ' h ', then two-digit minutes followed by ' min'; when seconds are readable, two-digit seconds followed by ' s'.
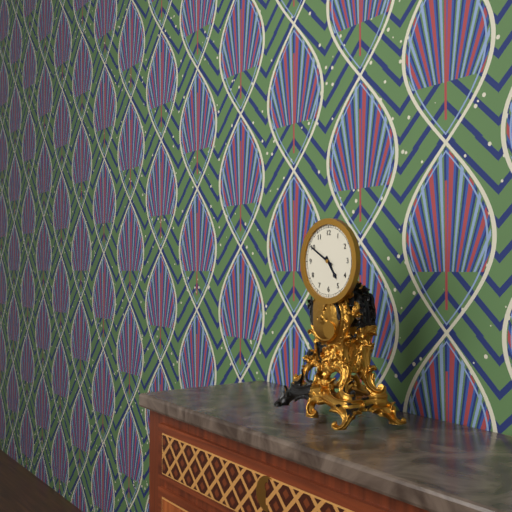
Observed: 4 h 50 min
